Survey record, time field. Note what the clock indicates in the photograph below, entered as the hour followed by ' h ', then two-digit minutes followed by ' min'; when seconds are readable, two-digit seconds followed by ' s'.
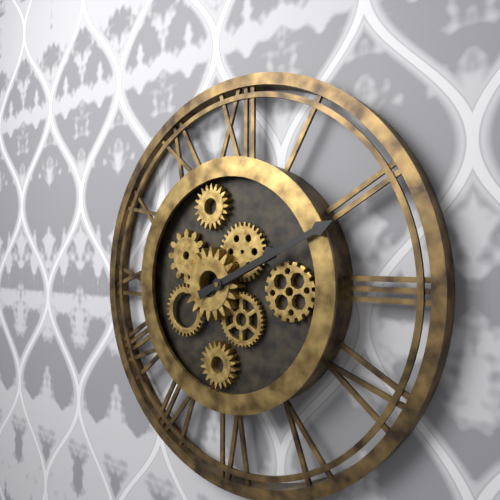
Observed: 2 h 11 min
